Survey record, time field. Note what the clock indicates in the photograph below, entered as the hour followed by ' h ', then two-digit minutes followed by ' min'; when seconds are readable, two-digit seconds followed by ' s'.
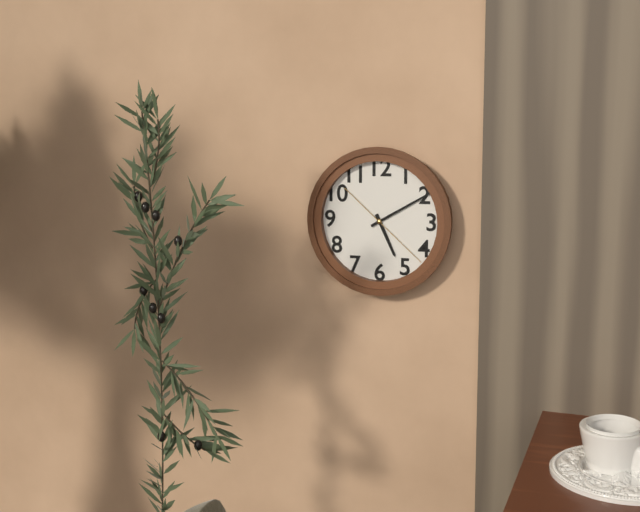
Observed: 5 h 10 min 22 s
